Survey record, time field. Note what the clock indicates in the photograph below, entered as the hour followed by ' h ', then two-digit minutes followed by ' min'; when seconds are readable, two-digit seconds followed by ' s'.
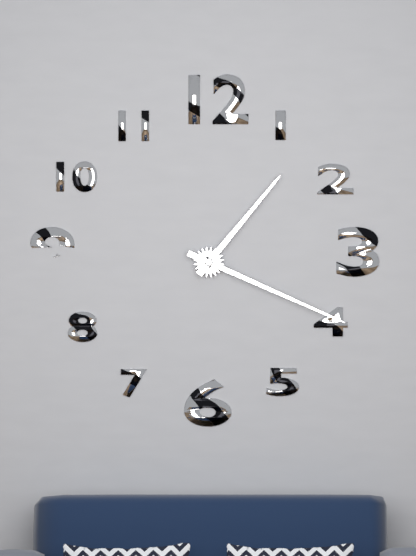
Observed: 1 h 19 min
